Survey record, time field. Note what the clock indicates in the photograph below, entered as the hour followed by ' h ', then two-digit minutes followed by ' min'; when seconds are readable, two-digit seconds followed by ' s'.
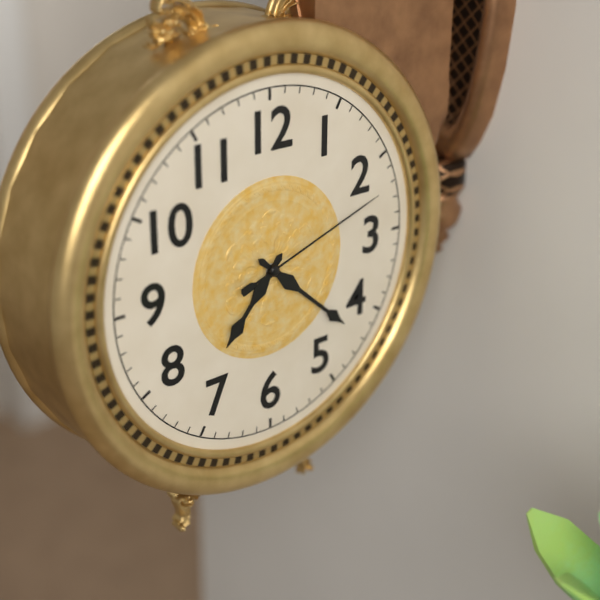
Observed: 7 h 22 min 12 s
